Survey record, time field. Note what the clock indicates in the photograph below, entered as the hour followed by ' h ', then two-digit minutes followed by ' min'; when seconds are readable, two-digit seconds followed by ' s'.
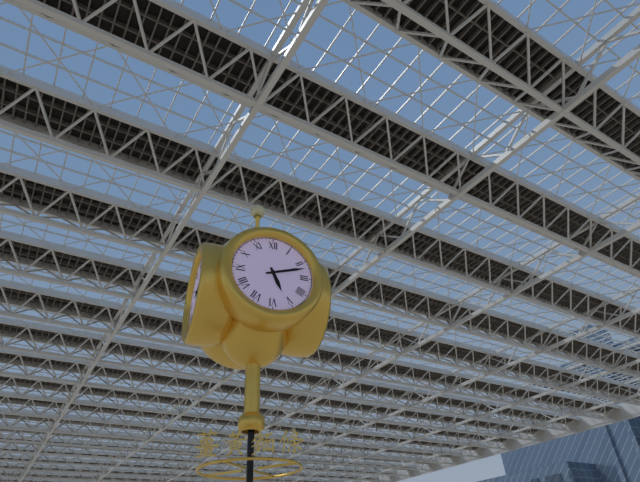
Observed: 5 h 12 min
